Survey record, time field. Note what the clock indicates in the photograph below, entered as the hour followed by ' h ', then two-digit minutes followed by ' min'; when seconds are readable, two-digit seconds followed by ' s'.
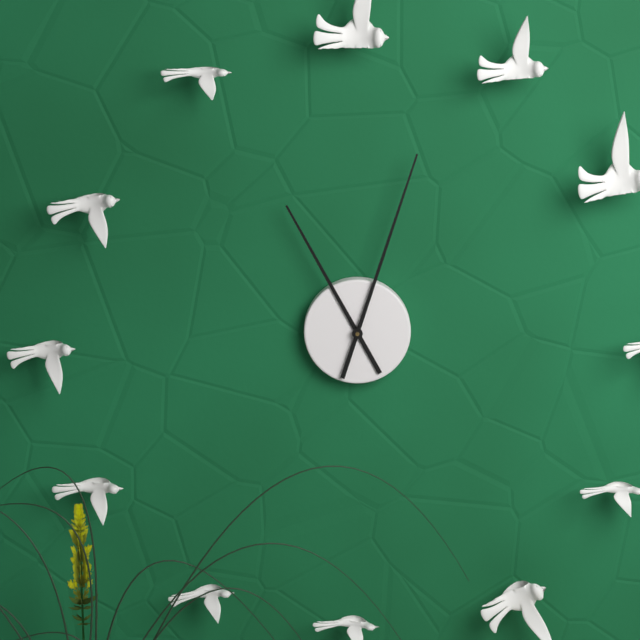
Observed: 11 h 03 min
